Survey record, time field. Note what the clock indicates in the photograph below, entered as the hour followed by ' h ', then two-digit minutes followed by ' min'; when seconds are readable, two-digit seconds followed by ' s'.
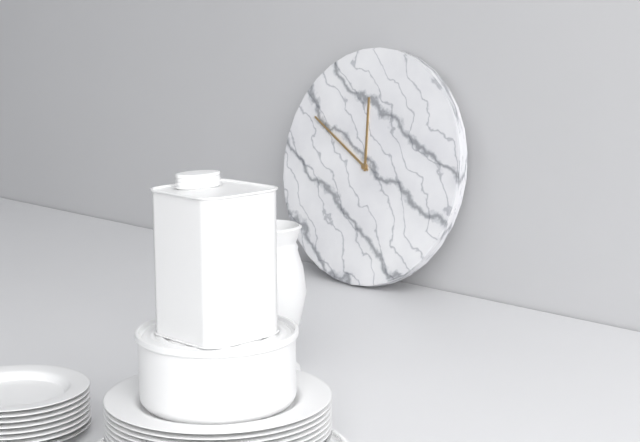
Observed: 11 h 50 min
